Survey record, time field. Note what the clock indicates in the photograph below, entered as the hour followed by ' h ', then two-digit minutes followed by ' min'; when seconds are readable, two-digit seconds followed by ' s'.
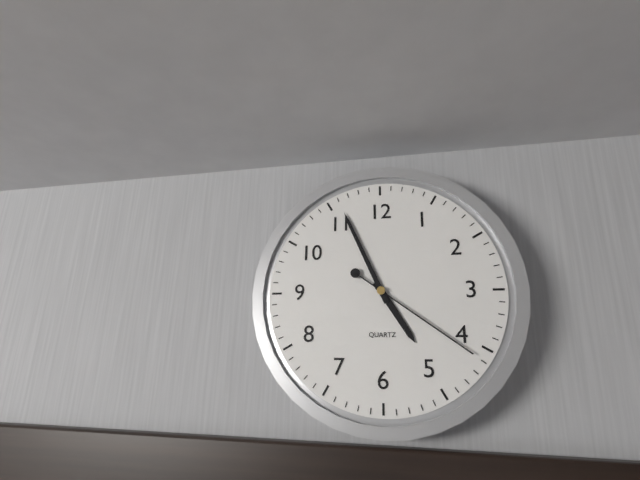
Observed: 4 h 56 min 21 s
